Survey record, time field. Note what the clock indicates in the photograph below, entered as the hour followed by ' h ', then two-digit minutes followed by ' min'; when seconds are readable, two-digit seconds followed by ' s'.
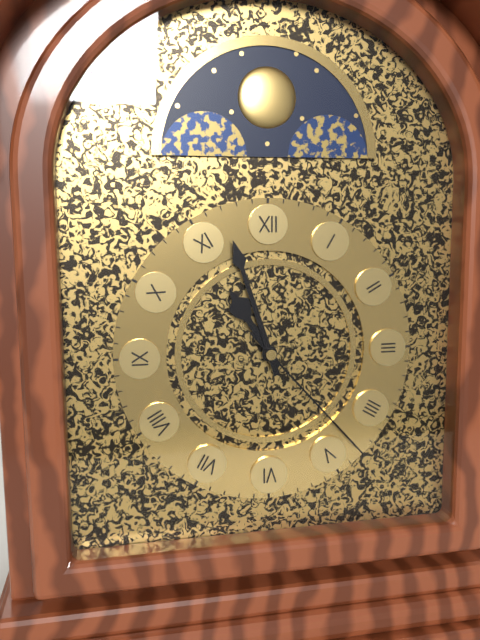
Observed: 10 h 57 min 23 s
